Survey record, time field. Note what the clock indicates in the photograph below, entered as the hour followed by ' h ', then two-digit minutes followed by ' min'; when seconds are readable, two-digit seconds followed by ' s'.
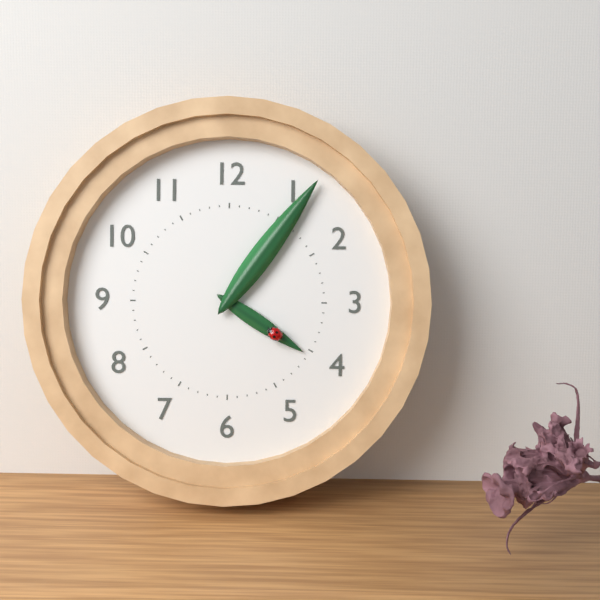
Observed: 4 h 06 min
